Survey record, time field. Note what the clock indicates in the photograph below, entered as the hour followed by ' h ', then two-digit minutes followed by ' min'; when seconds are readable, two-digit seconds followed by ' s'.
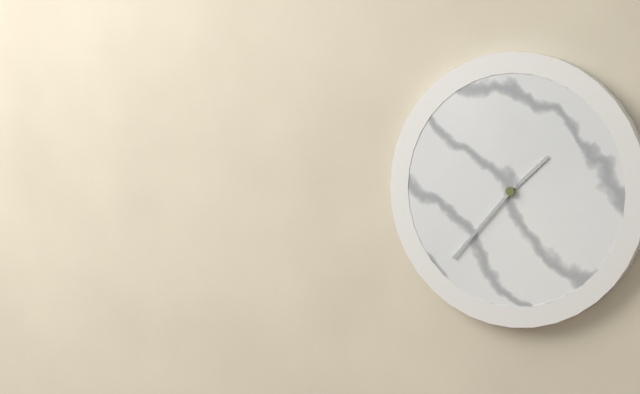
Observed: 1 h 37 min
